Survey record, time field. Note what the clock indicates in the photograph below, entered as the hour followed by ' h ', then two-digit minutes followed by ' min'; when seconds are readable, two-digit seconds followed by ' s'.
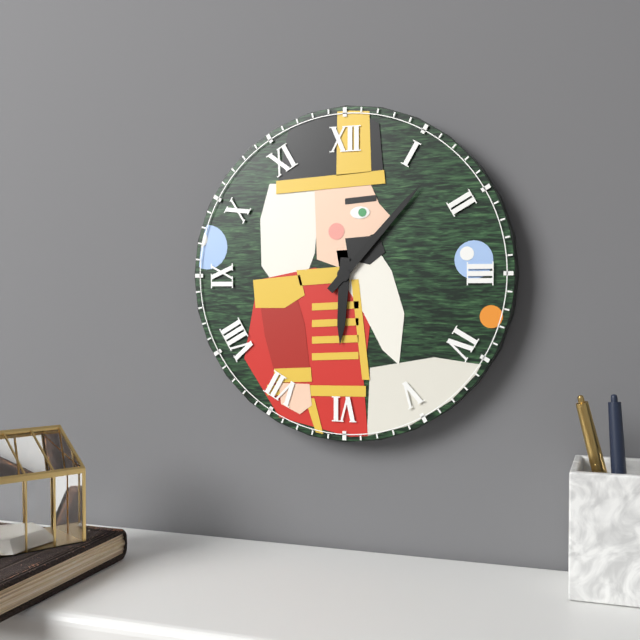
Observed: 6 h 07 min
